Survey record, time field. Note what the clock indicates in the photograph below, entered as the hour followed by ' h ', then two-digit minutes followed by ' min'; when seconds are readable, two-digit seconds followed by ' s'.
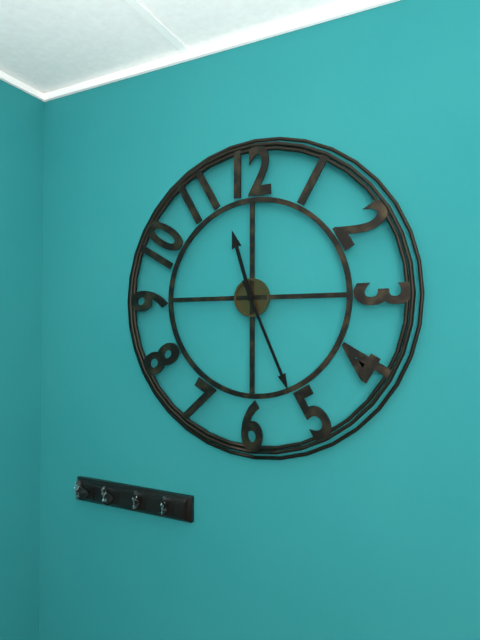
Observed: 11 h 26 min
